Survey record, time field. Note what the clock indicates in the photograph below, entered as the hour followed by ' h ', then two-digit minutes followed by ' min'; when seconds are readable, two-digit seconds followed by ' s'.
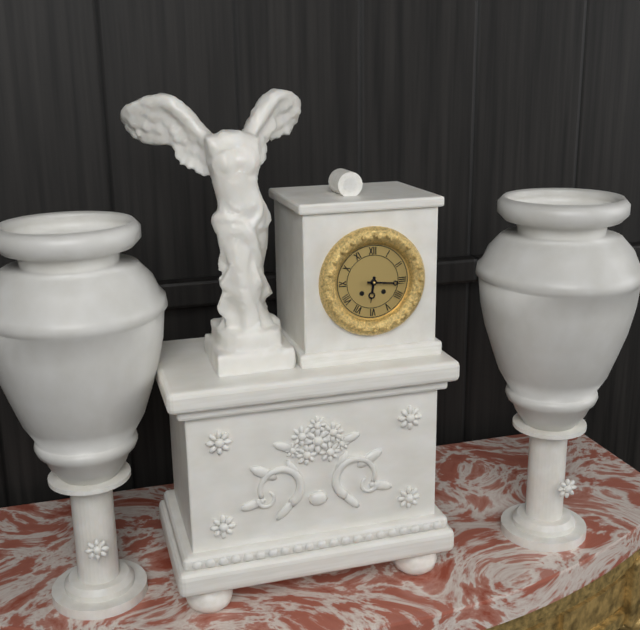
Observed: 6 h 16 min
